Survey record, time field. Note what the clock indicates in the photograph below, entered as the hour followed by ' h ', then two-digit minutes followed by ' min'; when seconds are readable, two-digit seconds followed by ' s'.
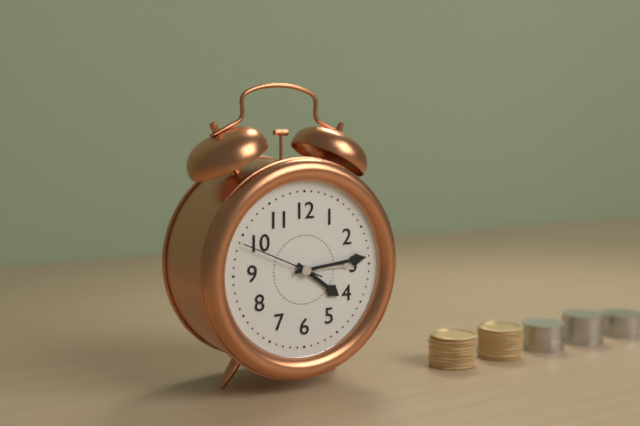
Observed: 4 h 14 min 49 s
